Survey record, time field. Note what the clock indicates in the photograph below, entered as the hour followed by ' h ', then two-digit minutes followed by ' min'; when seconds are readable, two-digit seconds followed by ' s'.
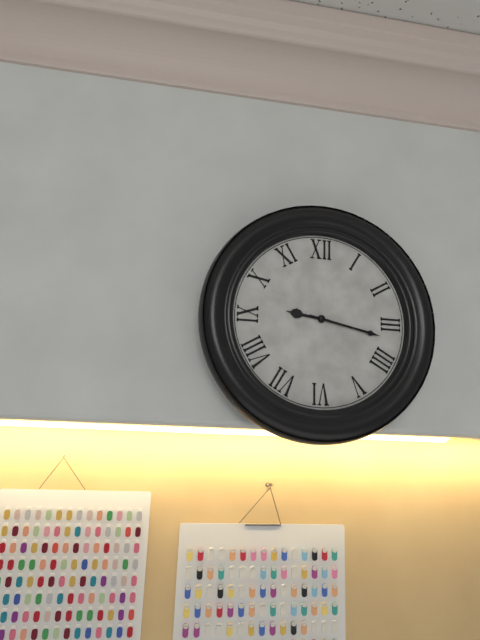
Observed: 9 h 17 min
